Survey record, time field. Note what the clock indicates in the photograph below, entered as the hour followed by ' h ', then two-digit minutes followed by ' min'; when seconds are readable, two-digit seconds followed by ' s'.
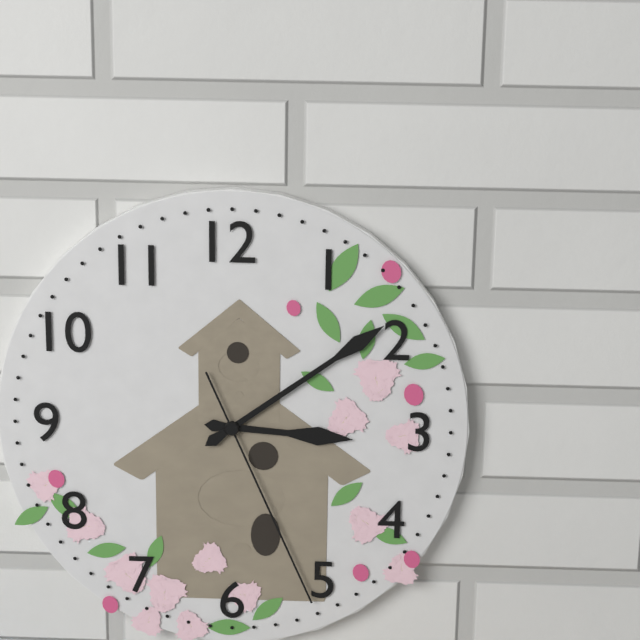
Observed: 3 h 09 min 26 s
